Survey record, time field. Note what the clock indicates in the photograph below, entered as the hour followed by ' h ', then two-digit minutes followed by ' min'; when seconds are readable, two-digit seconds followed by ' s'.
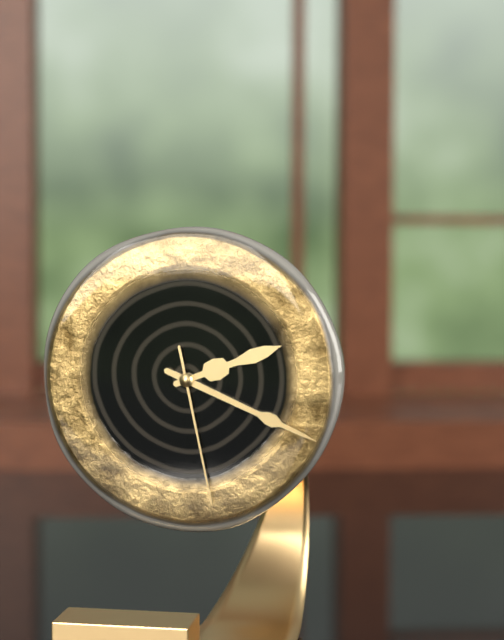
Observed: 2 h 19 min 28 s
